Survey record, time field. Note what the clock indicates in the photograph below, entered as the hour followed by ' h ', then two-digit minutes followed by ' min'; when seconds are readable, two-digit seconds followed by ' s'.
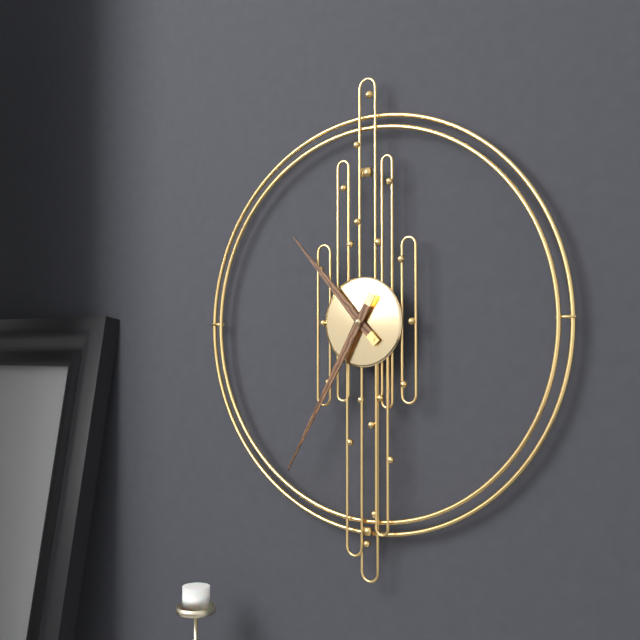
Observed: 10 h 35 min
